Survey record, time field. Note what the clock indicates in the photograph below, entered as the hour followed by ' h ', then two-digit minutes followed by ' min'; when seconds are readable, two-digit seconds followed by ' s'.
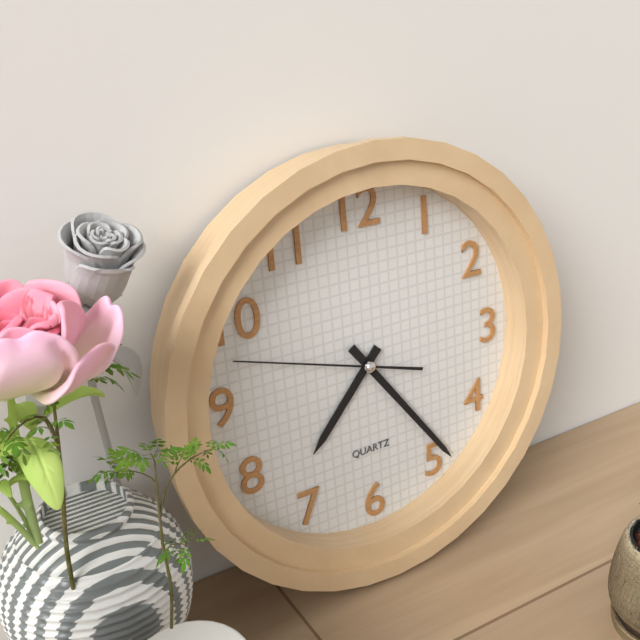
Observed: 7 h 24 min 48 s
